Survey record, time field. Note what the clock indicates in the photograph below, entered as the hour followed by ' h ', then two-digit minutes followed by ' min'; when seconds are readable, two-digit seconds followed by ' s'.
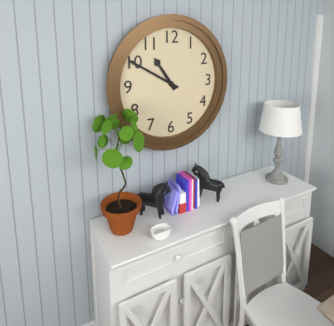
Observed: 10 h 50 min
